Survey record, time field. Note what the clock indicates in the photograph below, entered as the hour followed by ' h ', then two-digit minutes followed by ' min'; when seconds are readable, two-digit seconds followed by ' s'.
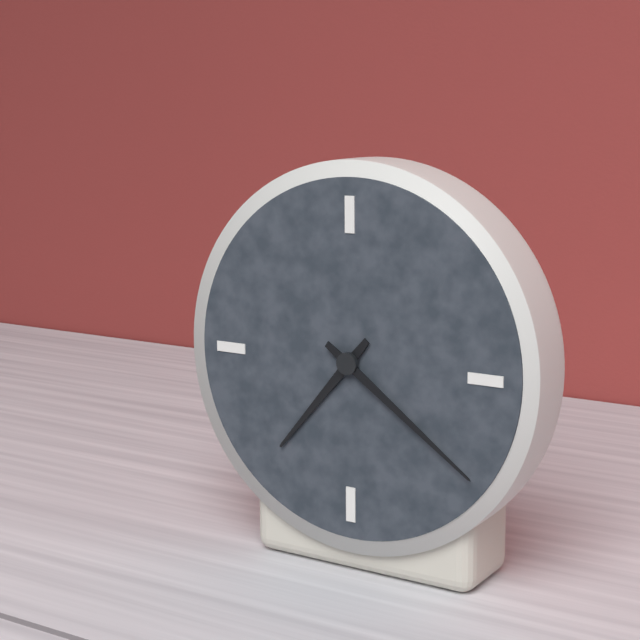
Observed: 7 h 21 min
